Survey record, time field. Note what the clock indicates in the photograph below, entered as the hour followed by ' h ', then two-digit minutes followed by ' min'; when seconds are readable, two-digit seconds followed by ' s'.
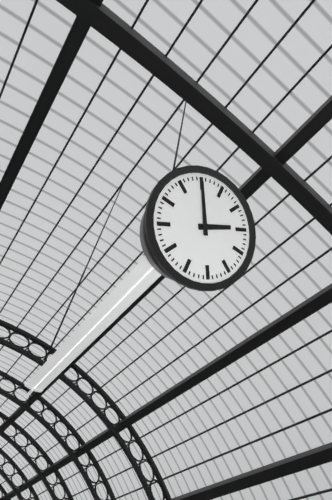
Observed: 1 h 55 min
